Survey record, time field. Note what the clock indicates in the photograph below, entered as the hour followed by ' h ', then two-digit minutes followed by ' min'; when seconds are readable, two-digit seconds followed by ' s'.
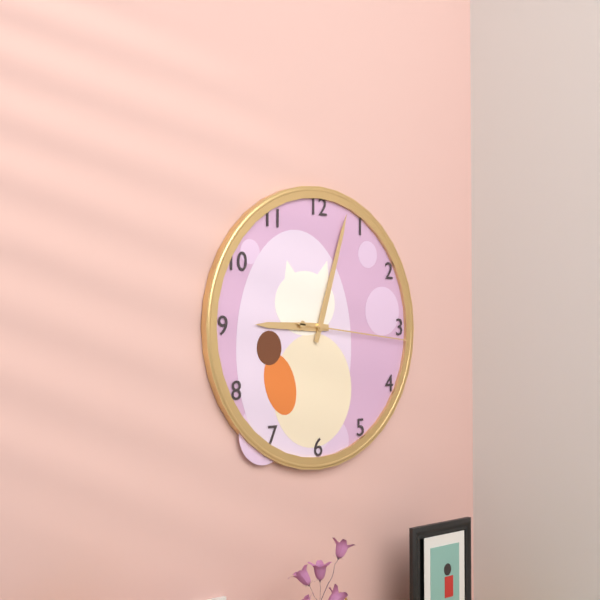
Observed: 9 h 03 min 16 s
